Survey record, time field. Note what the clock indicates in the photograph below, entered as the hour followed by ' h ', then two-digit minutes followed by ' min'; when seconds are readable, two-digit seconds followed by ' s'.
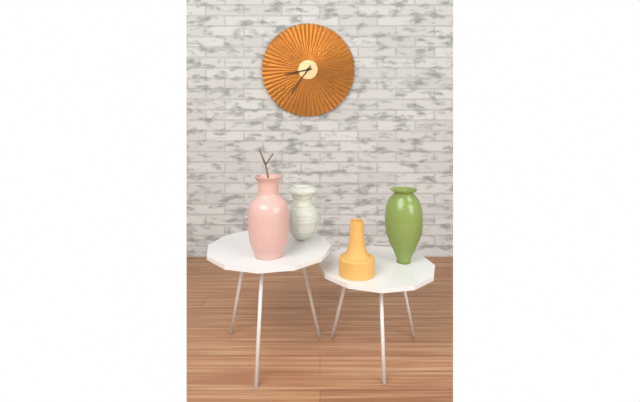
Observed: 8 h 36 min
